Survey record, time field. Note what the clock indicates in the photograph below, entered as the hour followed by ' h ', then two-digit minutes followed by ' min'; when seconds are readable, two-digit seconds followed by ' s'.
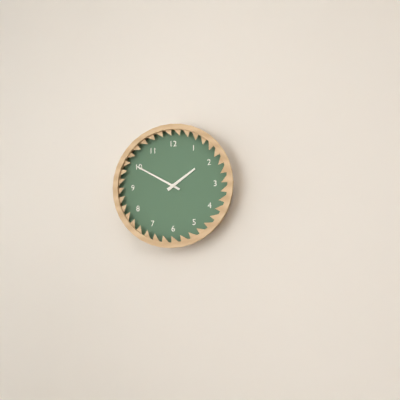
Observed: 1 h 50 min
